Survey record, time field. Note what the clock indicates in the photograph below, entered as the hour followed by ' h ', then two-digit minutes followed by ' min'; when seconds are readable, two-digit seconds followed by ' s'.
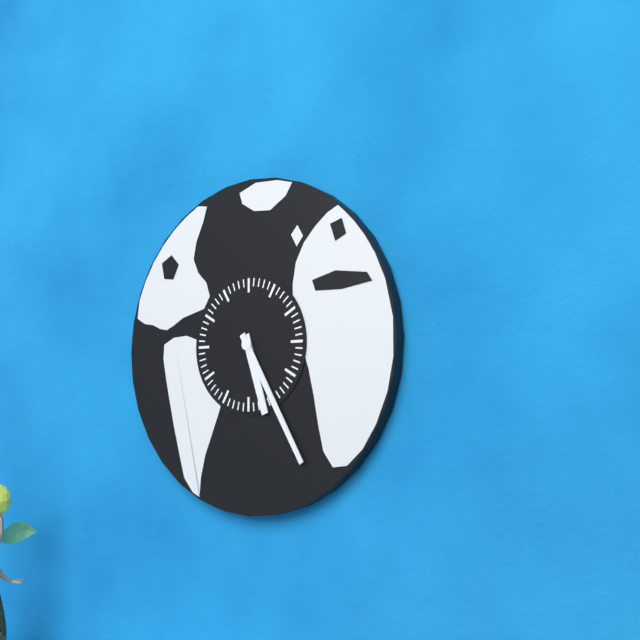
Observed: 5 h 25 min
